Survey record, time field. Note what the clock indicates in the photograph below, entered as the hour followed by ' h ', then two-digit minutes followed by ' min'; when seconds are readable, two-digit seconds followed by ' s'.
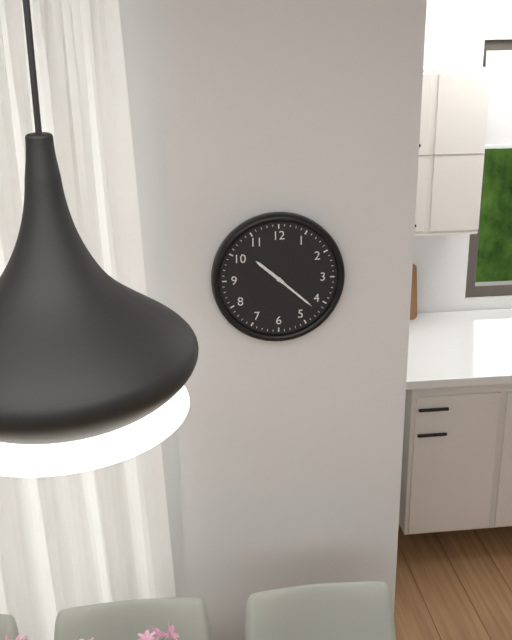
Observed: 10 h 22 min
